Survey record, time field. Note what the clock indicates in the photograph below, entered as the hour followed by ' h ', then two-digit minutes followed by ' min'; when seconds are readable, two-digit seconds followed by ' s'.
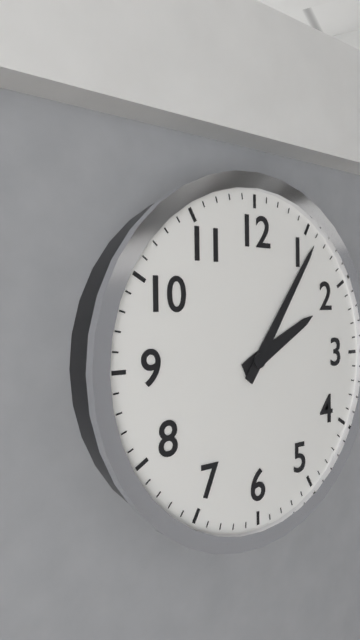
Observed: 2 h 06 min
